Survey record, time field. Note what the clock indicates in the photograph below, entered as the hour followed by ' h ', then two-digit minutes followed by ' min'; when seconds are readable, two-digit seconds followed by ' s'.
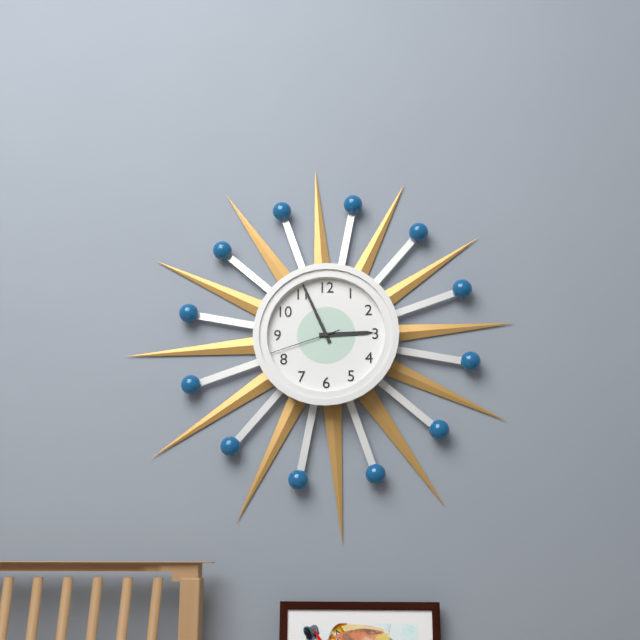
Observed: 2 h 56 min 42 s
